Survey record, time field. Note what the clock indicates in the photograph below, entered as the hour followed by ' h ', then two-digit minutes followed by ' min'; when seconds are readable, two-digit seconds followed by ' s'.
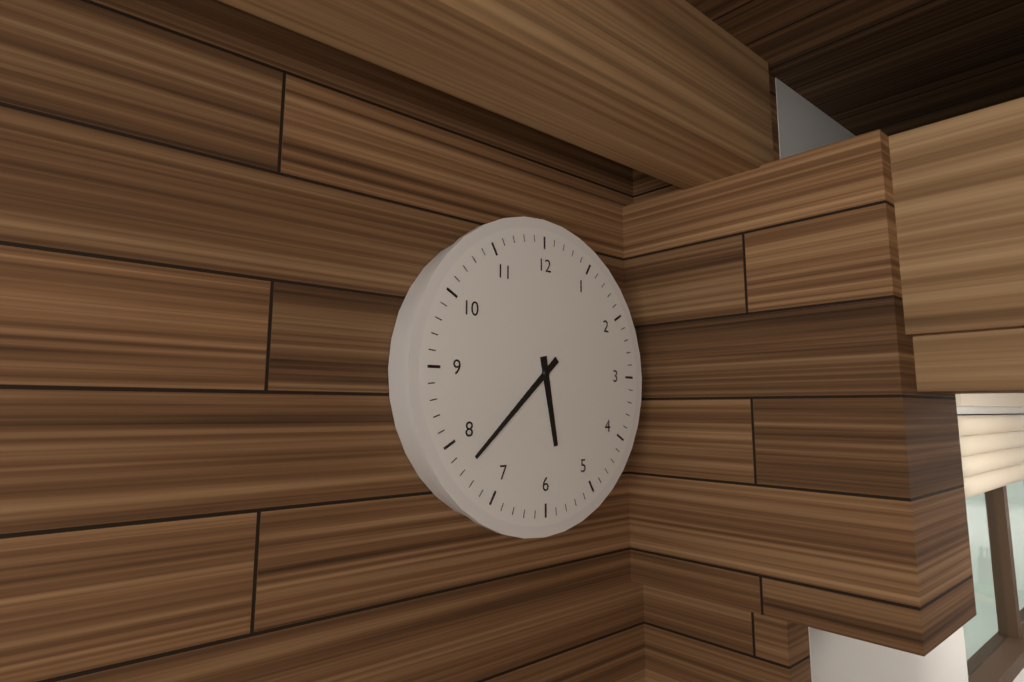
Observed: 5 h 38 min
